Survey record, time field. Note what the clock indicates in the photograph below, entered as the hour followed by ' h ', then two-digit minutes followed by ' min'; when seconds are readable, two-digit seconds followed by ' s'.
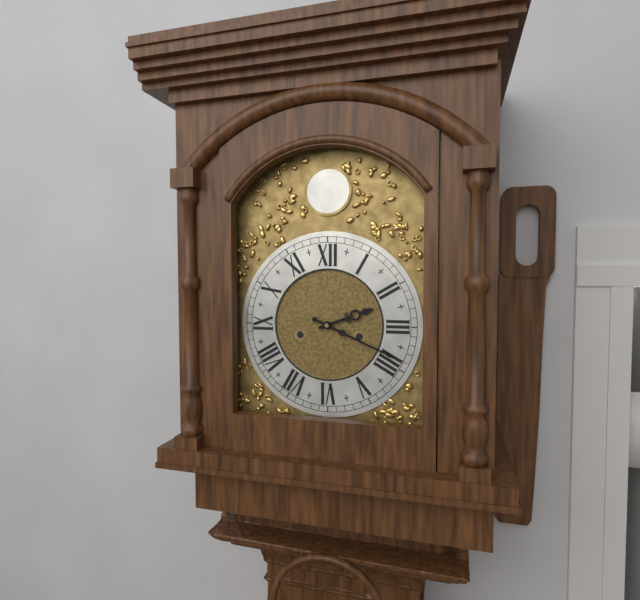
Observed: 2 h 19 min
